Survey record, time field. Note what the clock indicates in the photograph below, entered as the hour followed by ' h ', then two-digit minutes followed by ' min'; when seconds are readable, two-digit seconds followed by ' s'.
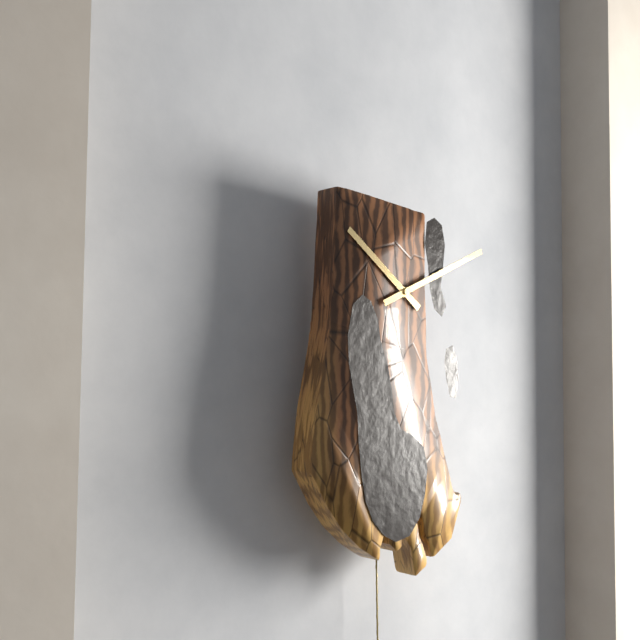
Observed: 10 h 11 min
